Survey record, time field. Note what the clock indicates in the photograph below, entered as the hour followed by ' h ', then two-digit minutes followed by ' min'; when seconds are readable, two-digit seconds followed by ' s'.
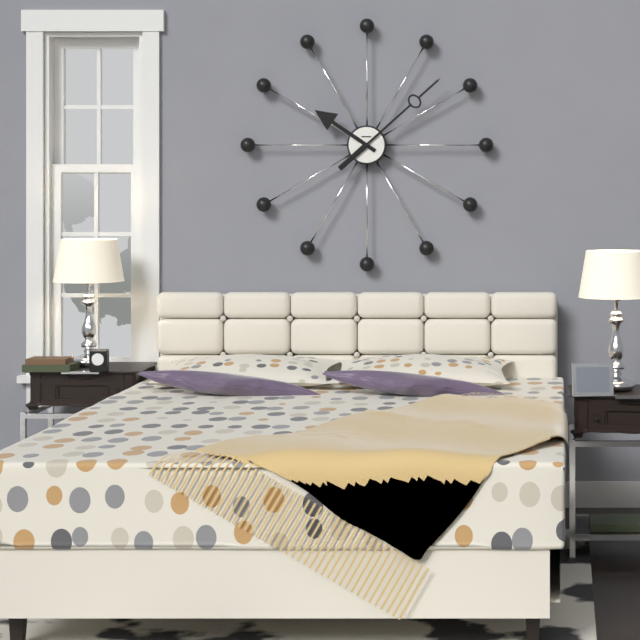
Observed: 10 h 08 min
